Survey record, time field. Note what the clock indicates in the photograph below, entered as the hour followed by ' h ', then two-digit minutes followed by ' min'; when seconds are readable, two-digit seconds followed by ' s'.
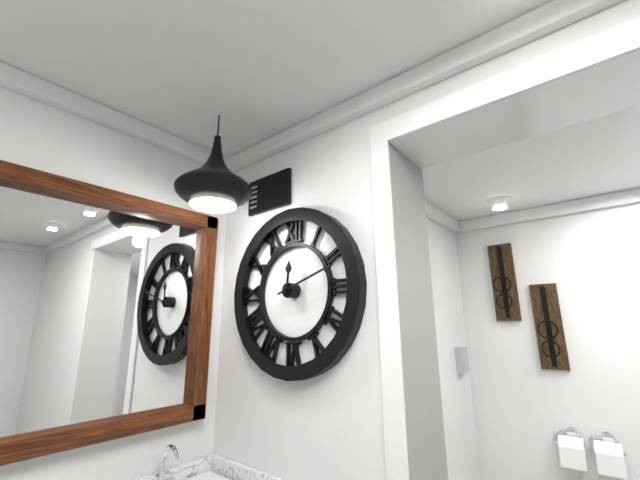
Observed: 12 h 12 min
